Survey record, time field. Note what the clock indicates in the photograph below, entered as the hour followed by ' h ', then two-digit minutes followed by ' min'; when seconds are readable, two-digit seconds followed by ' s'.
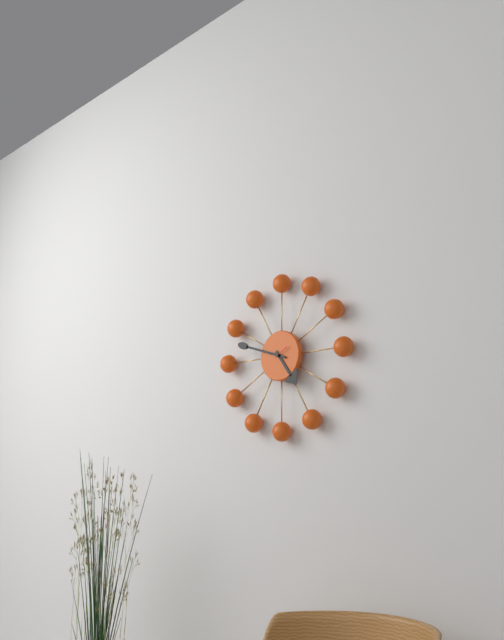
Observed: 4 h 48 min
